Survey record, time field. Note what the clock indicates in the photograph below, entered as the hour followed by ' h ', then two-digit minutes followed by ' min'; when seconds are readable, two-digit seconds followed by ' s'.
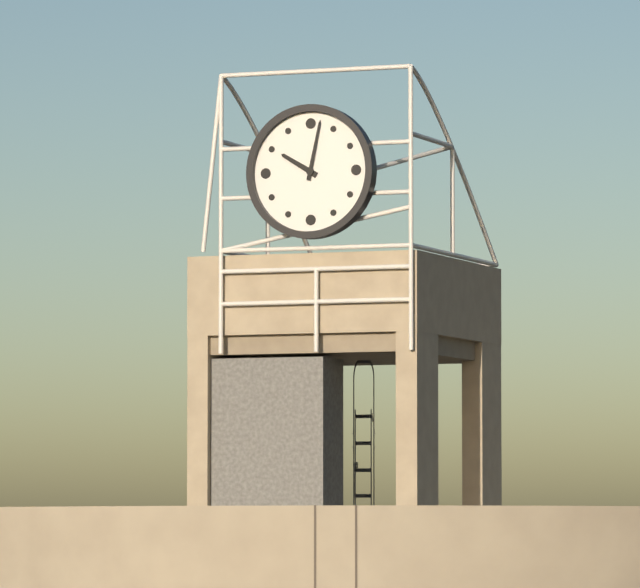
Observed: 10 h 02 min
